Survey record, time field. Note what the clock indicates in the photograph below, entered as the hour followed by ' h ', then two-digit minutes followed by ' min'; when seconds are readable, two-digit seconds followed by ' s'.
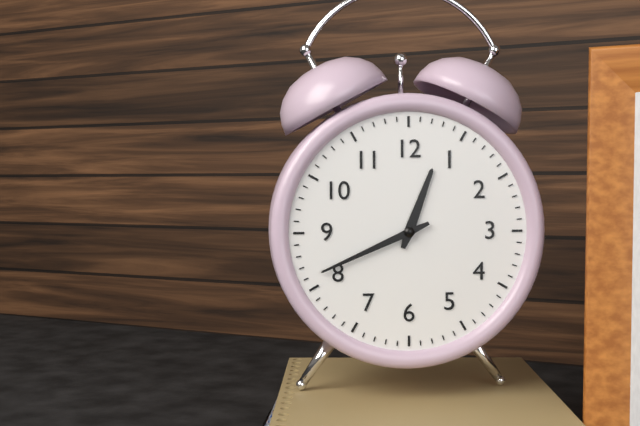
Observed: 12 h 41 min
